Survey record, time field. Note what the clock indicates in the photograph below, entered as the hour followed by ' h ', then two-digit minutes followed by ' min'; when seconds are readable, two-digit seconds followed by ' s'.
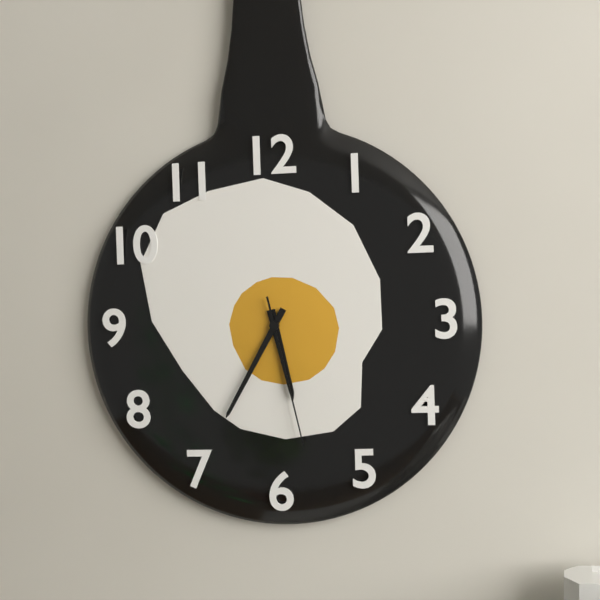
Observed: 5 h 35 min 28 s
